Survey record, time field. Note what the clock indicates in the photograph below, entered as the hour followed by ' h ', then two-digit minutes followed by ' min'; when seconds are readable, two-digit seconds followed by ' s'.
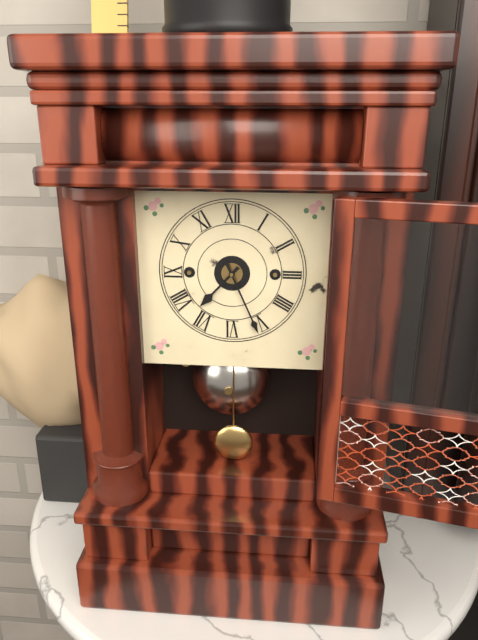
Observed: 7 h 26 min
